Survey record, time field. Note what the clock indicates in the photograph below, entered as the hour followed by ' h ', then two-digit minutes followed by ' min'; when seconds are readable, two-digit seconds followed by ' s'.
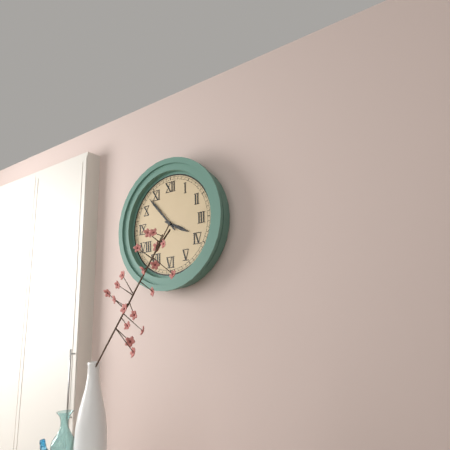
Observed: 3 h 53 min
